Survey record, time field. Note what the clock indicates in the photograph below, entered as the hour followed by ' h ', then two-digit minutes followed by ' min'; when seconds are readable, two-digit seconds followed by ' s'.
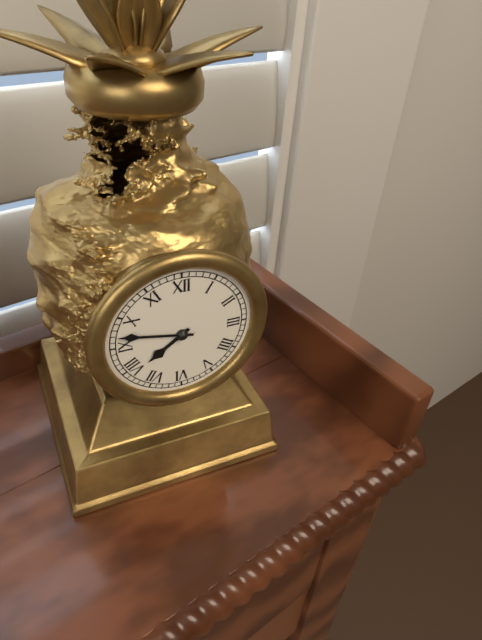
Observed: 7 h 47 min
